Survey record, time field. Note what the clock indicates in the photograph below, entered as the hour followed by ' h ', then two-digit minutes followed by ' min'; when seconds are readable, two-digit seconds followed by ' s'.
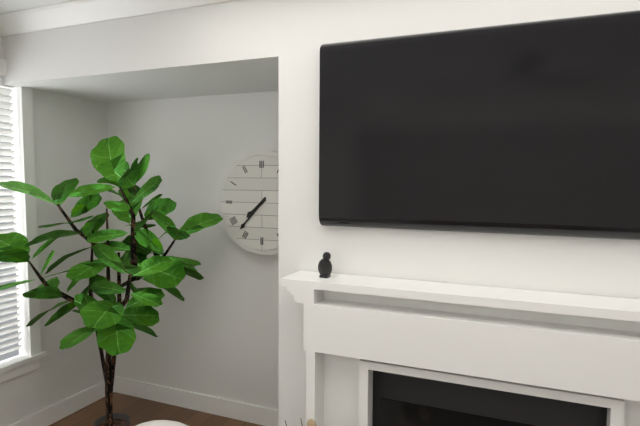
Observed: 7 h 37 min
